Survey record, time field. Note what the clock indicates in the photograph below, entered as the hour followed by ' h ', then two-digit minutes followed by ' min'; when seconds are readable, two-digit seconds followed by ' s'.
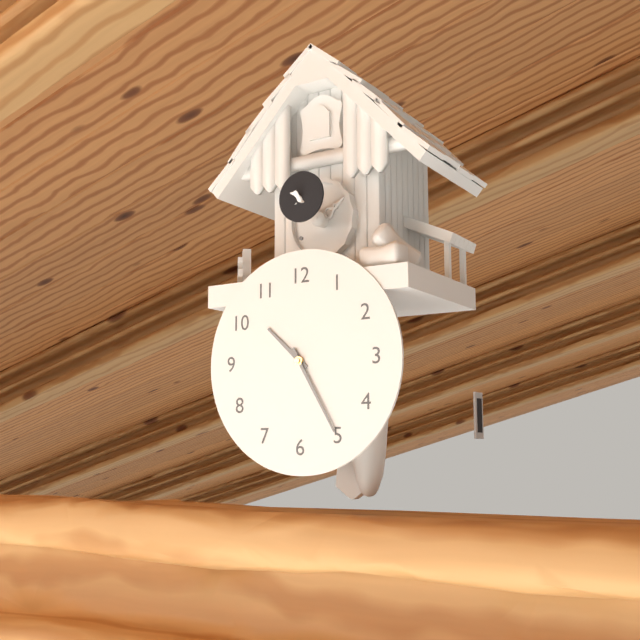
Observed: 10 h 25 min
